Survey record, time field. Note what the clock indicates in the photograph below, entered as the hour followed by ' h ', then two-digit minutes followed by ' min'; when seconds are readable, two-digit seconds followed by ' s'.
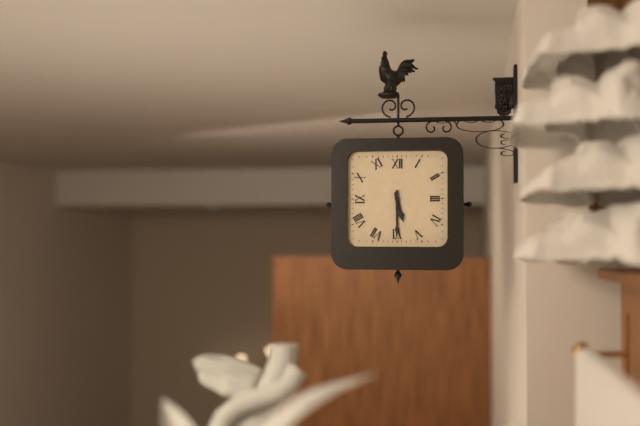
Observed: 5 h 30 min
